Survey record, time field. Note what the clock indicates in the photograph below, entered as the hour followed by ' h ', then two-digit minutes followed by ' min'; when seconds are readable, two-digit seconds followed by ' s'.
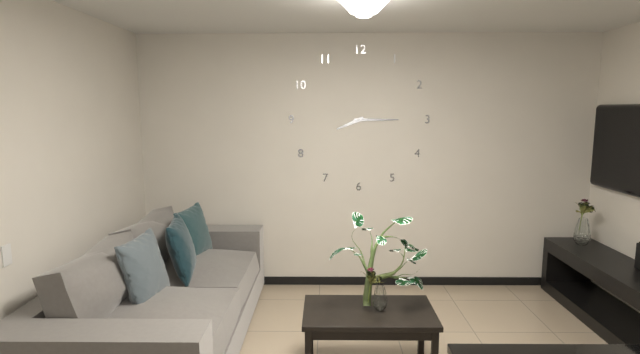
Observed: 8 h 15 min
